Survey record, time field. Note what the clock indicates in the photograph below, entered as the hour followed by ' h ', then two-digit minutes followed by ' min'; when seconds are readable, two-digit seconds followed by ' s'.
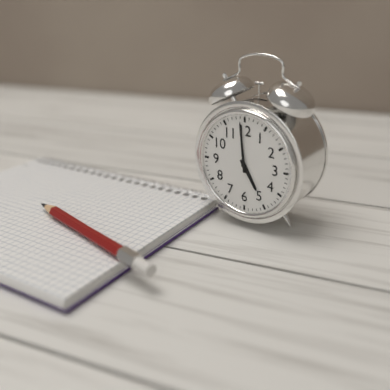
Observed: 4 h 59 min
